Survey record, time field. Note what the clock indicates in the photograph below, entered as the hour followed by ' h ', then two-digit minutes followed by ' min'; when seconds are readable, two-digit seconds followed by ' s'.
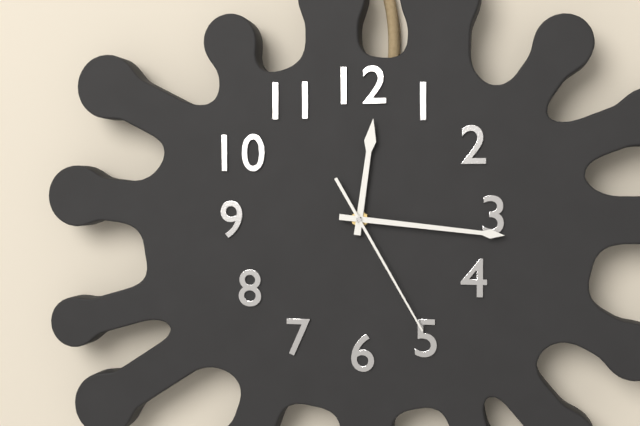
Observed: 12 h 16 min 25 s
